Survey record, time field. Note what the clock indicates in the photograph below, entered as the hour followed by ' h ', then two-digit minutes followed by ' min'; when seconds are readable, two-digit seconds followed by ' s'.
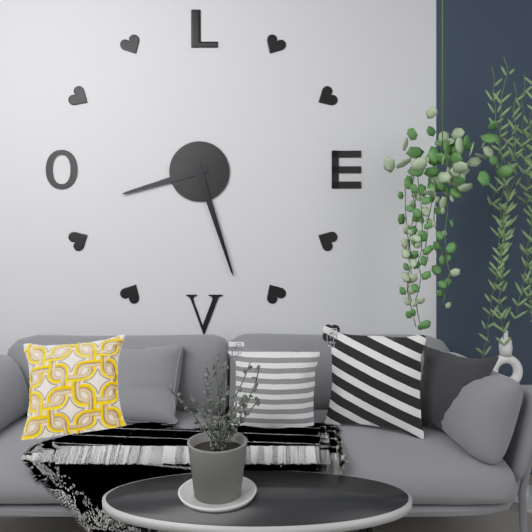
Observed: 8 h 27 min
